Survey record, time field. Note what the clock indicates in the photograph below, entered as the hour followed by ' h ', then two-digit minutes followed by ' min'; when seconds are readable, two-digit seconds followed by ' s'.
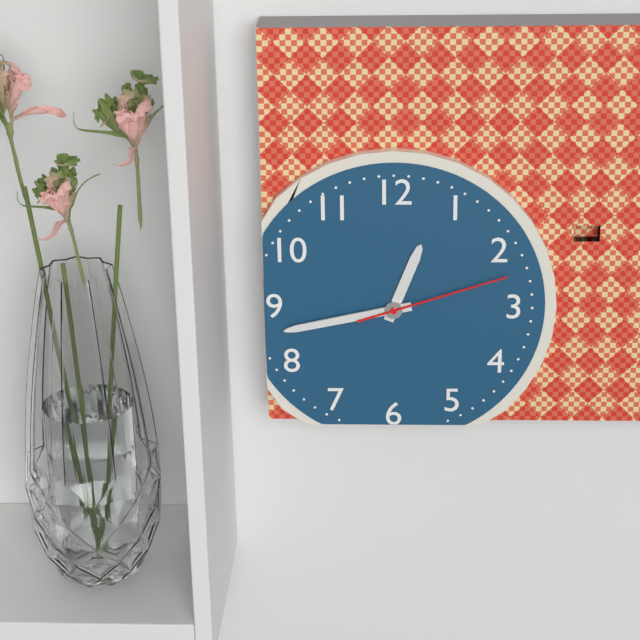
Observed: 12 h 43 min 12 s
